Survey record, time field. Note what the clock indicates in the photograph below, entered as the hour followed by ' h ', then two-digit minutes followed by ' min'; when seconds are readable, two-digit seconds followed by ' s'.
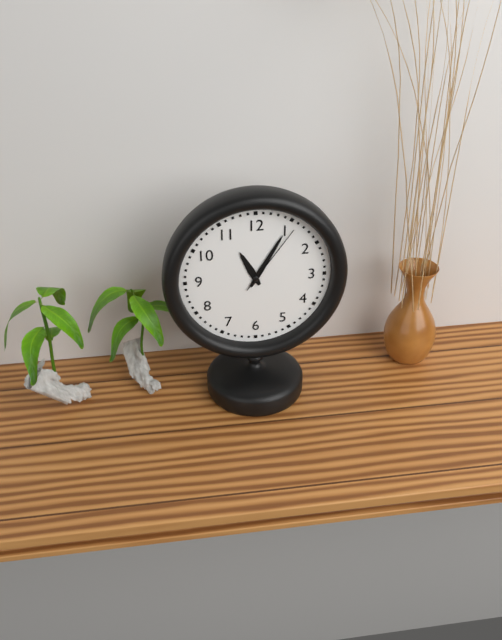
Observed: 11 h 05 min 06 s
